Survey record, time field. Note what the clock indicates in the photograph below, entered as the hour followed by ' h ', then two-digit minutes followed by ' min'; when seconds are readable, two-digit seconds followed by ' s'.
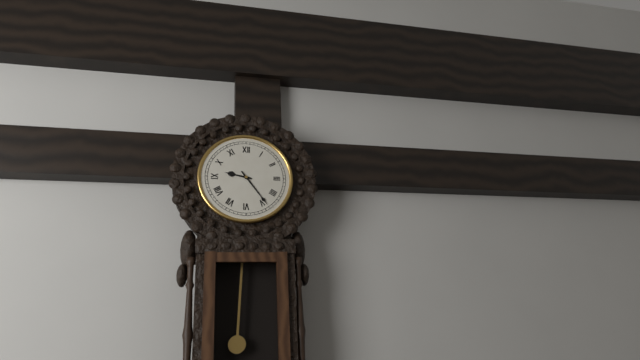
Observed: 9 h 24 min
